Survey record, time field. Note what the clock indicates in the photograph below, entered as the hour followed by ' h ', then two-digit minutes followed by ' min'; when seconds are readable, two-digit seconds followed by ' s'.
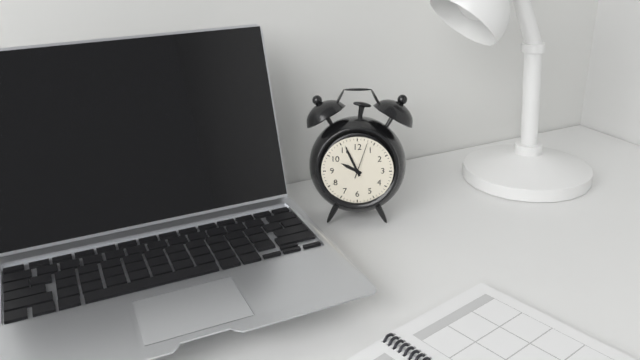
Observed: 9 h 56 min
